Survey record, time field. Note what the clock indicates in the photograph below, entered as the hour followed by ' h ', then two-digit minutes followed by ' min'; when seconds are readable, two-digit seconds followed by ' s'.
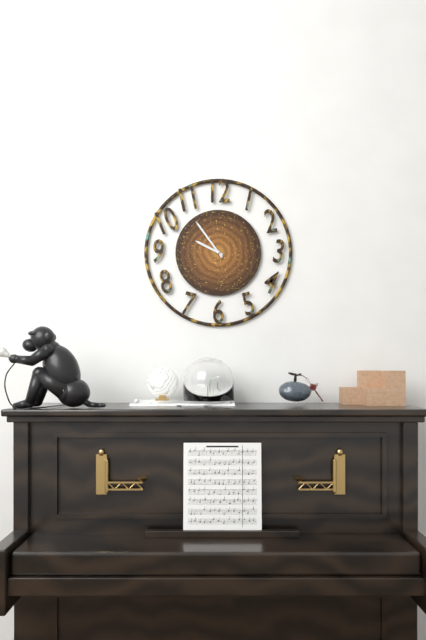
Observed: 9 h 54 min
